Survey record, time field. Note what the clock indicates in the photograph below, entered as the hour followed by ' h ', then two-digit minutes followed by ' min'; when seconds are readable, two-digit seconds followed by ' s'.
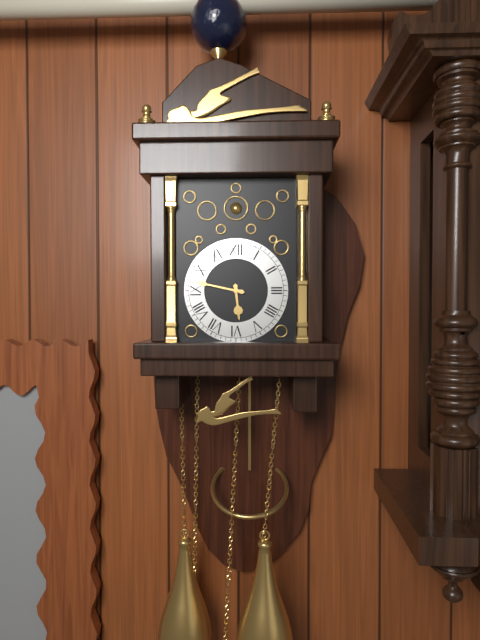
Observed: 5 h 47 min
